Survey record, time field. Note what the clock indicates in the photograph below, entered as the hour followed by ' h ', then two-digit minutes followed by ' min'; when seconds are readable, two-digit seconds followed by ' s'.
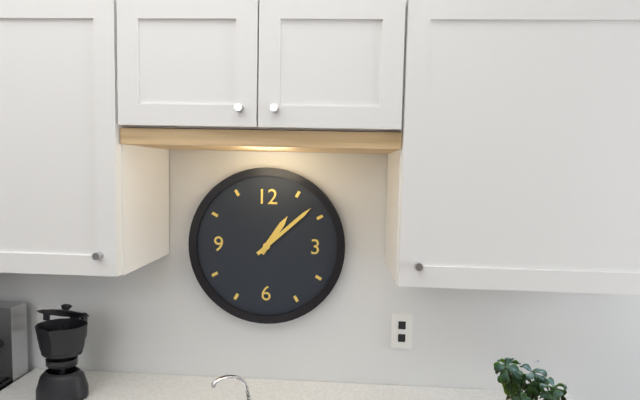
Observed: 1 h 08 min
